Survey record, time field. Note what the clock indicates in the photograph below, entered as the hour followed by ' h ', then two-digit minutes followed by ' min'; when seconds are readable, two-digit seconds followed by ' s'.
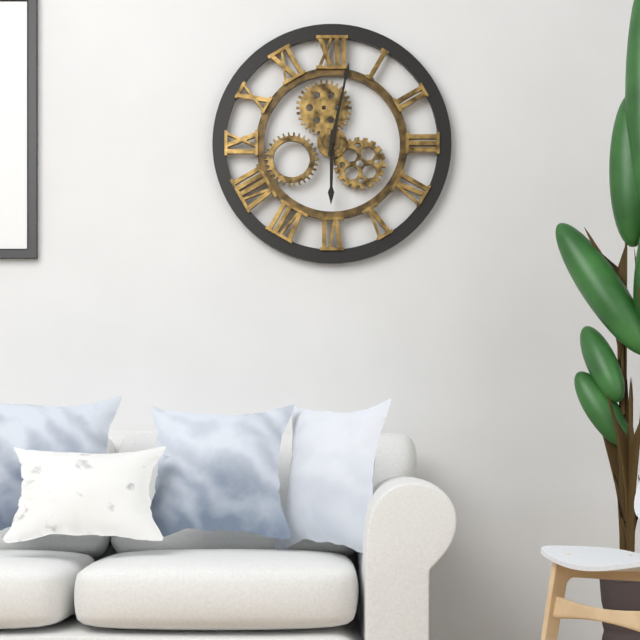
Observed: 6 h 02 min
